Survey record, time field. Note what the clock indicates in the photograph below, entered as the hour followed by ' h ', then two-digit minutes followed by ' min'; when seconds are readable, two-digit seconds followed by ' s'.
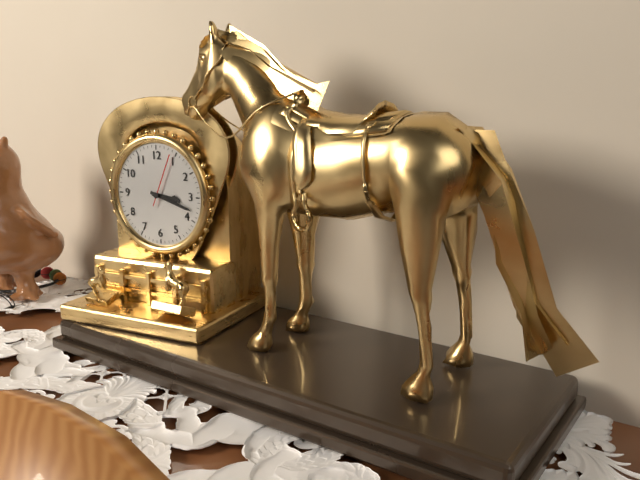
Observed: 3 h 18 min 04 s
